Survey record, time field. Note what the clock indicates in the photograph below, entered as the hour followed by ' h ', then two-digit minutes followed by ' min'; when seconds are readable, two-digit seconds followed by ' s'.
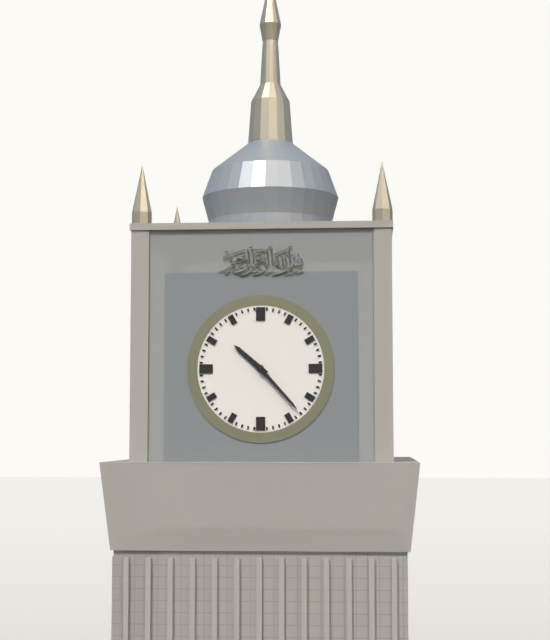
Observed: 10 h 23 min
